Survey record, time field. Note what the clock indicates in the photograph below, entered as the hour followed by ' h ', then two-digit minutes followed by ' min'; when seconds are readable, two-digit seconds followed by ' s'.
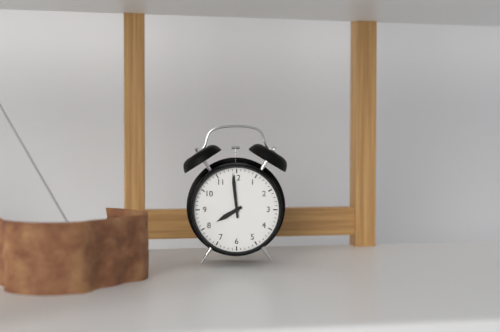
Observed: 7 h 59 min
